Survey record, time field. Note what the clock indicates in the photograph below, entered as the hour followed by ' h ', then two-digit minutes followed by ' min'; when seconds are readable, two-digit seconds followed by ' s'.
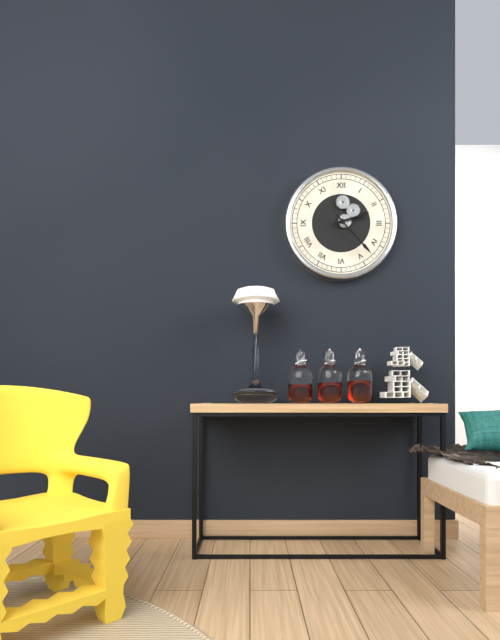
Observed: 2 h 23 min
